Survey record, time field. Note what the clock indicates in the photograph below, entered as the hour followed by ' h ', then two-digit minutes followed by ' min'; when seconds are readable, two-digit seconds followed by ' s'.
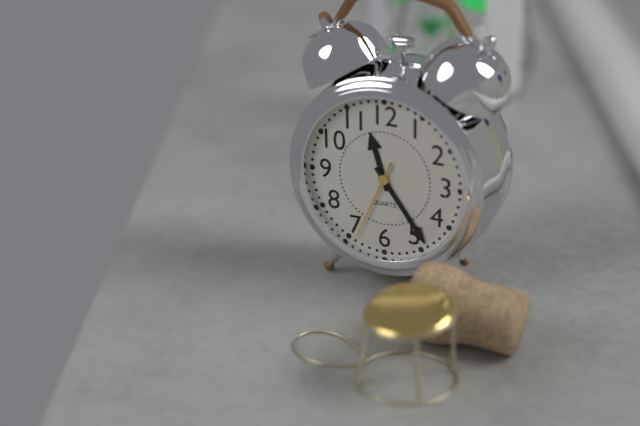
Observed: 11 h 24 min 34 s
